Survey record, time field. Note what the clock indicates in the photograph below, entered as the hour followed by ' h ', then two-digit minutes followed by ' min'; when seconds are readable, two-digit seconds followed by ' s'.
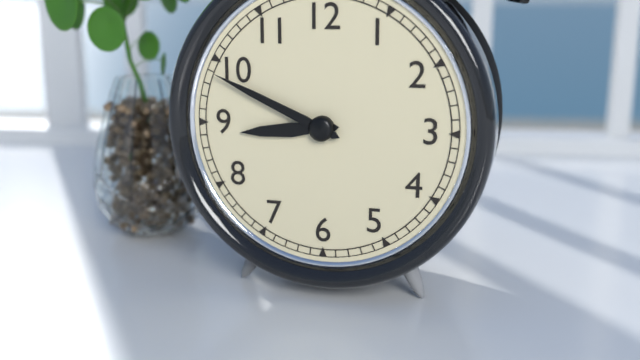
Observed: 8 h 49 min
